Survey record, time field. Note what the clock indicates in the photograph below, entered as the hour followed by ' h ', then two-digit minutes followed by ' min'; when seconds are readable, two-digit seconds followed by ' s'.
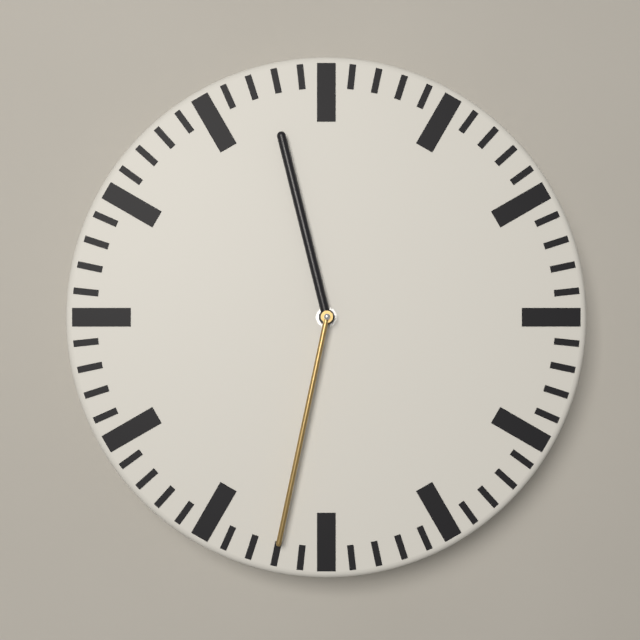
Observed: 11 h 32 min
